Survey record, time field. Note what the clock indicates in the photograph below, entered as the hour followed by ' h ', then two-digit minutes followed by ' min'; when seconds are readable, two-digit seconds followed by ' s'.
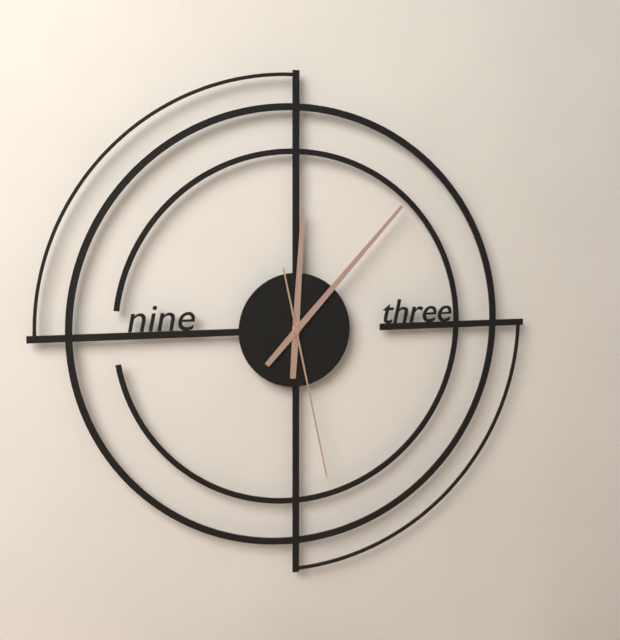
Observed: 12 h 07 min 28 s
